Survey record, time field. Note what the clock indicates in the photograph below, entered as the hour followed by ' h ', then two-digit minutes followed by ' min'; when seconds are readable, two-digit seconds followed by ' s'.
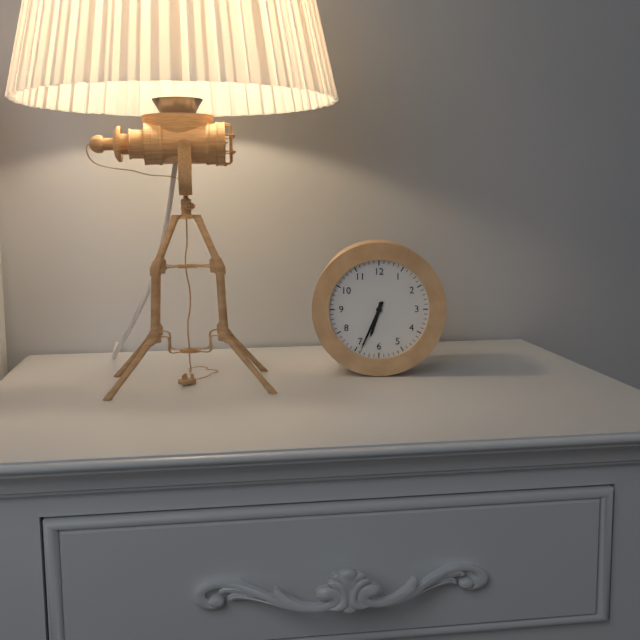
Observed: 6 h 34 min
